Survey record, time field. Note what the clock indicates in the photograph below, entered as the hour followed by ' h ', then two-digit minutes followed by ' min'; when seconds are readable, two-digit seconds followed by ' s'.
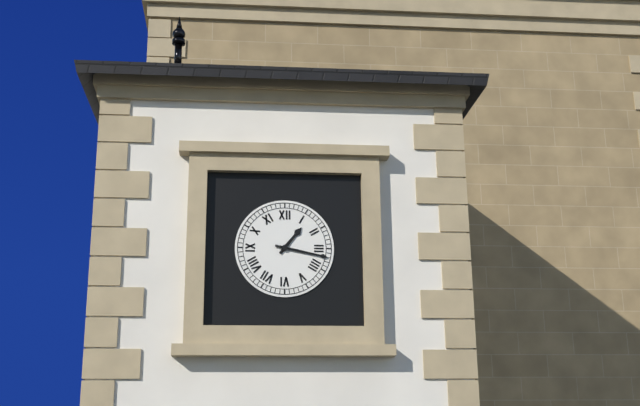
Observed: 1 h 17 min
